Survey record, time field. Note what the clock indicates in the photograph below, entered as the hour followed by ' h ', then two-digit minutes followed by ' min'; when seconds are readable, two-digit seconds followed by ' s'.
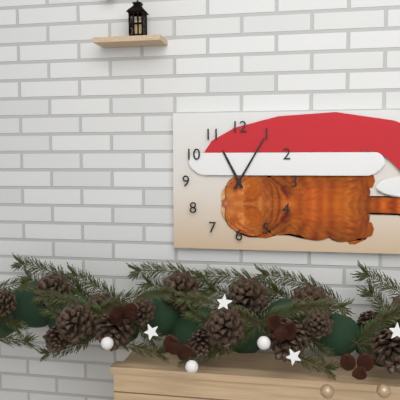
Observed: 11 h 05 min
